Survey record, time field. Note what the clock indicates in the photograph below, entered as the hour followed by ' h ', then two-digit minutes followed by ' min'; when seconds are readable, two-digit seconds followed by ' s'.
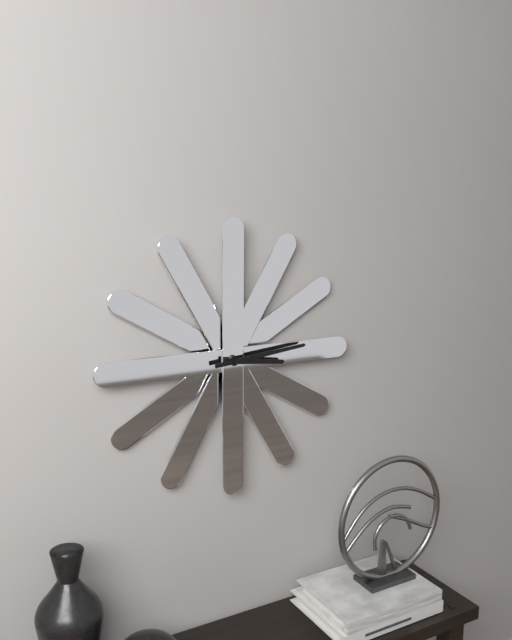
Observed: 3 h 14 min
